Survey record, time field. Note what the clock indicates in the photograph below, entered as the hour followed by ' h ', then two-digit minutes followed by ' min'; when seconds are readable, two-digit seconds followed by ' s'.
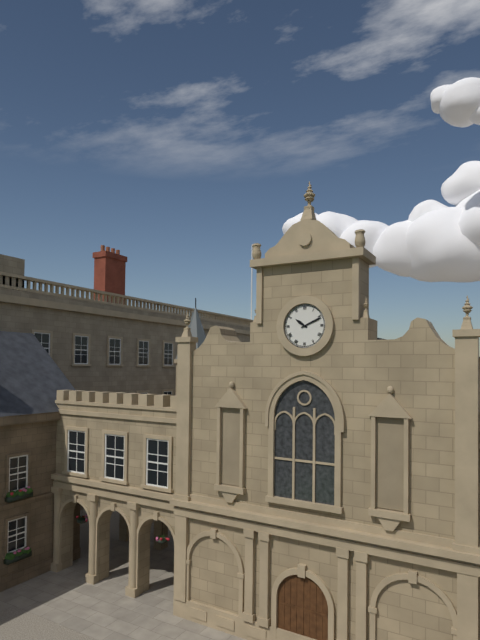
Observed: 10 h 11 min
